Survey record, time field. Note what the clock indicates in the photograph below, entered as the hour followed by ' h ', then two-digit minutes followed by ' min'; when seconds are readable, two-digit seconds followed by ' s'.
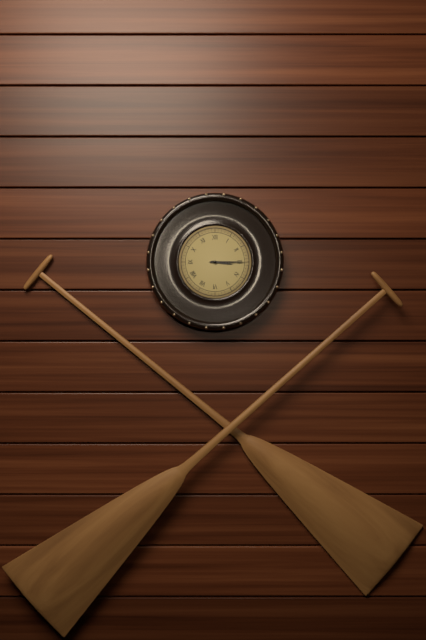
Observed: 3 h 15 min
